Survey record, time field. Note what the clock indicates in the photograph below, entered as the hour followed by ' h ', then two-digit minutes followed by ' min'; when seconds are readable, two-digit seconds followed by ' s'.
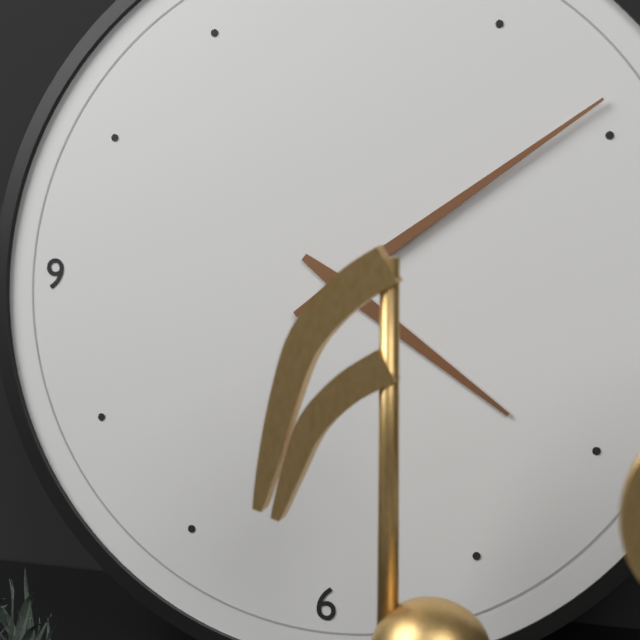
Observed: 4 h 09 min
